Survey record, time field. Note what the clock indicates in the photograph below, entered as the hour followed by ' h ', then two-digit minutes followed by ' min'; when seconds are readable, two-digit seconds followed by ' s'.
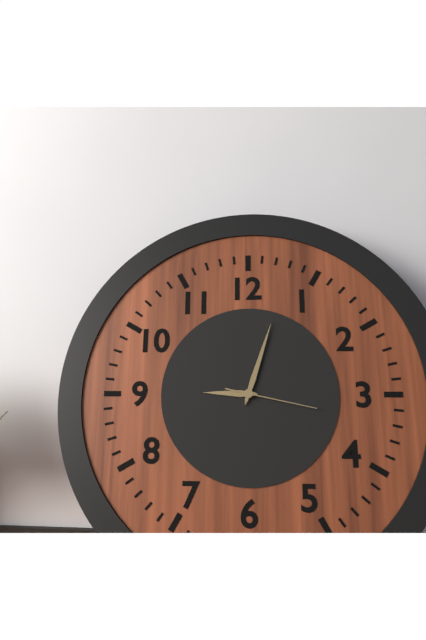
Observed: 9 h 03 min 17 s
